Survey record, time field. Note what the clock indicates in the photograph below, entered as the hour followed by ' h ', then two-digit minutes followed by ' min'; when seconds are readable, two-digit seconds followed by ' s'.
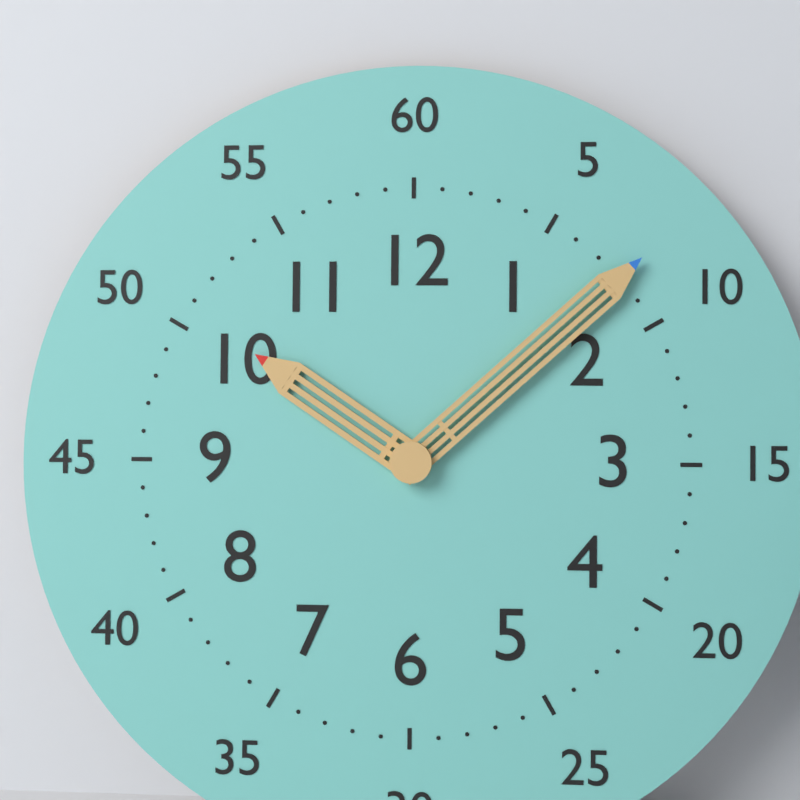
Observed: 10 h 08 min
